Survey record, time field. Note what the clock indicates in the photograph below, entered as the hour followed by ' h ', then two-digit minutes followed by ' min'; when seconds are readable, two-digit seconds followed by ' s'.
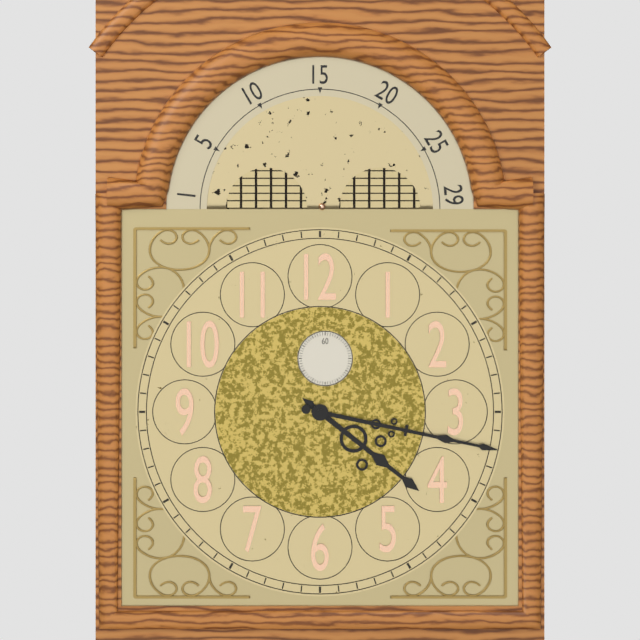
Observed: 4 h 17 min
